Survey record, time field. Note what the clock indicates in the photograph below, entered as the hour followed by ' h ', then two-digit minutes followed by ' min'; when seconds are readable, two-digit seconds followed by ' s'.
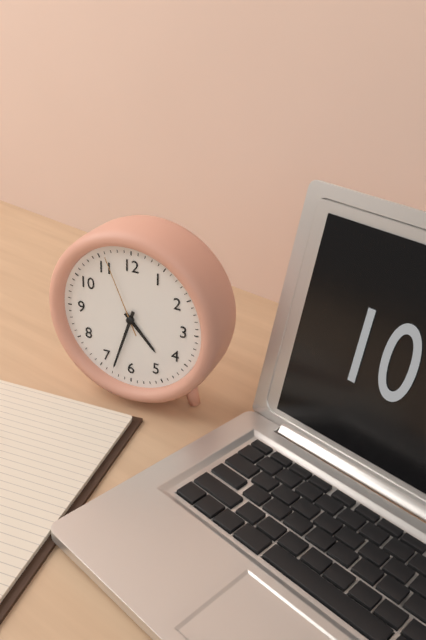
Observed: 4 h 33 min 56 s
